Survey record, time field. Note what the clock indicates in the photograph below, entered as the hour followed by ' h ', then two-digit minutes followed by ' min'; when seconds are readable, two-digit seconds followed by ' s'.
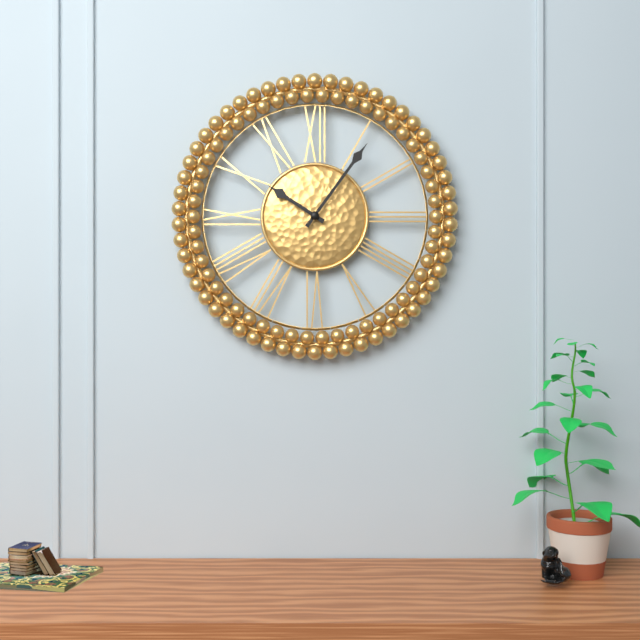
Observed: 10 h 06 min
